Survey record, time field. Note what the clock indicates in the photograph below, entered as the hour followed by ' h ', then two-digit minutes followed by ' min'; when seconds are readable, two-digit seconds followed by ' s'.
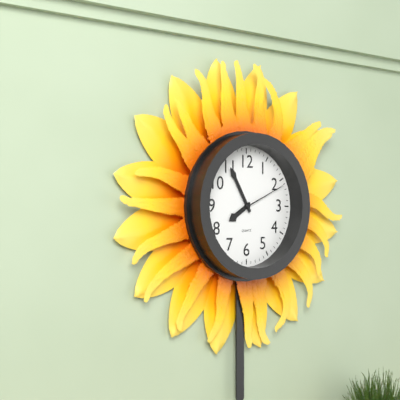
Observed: 7 h 55 min 11 s
